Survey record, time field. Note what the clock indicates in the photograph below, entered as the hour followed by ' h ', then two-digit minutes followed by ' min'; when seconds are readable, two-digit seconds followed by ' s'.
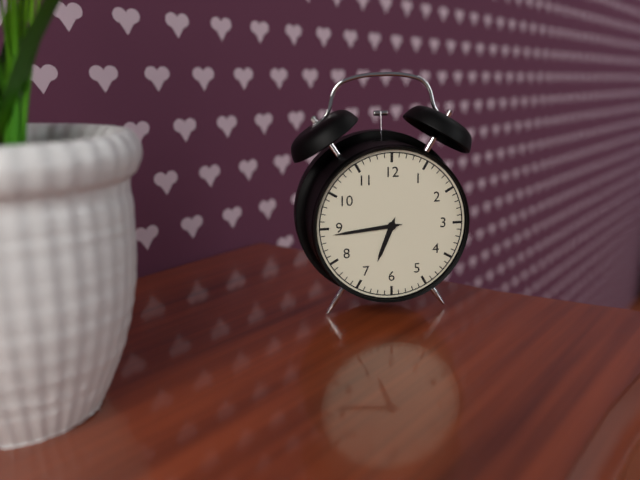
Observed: 6 h 44 min
